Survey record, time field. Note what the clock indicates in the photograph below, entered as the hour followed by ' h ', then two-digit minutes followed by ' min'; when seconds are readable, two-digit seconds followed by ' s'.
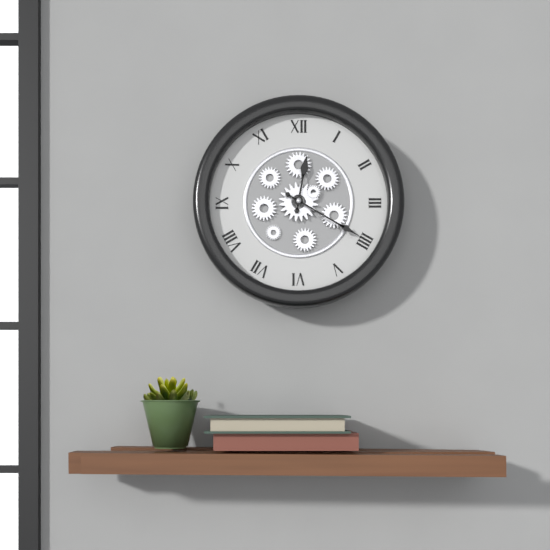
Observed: 12 h 20 min
